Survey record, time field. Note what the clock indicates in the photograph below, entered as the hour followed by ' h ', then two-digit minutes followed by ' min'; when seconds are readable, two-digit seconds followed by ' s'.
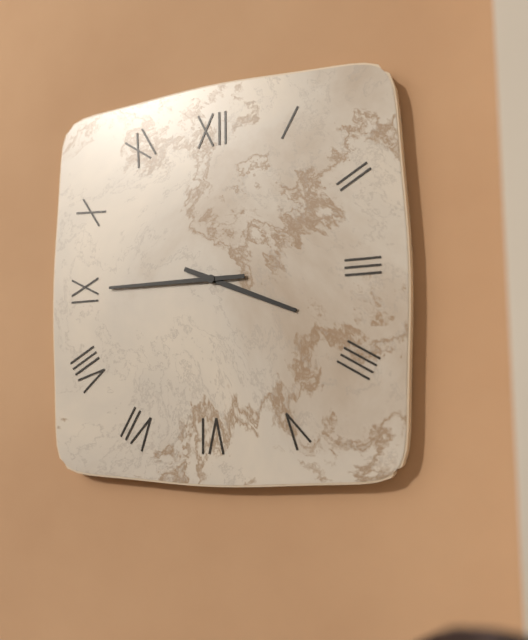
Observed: 3 h 45 min
